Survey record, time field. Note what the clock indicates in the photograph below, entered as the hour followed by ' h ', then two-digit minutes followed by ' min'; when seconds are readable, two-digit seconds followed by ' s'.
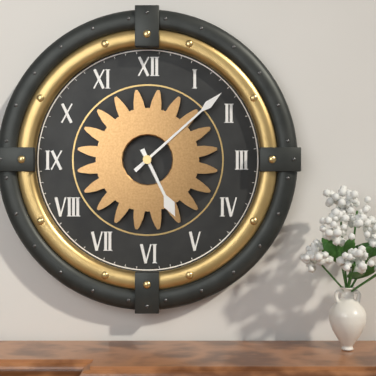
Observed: 5 h 08 min
